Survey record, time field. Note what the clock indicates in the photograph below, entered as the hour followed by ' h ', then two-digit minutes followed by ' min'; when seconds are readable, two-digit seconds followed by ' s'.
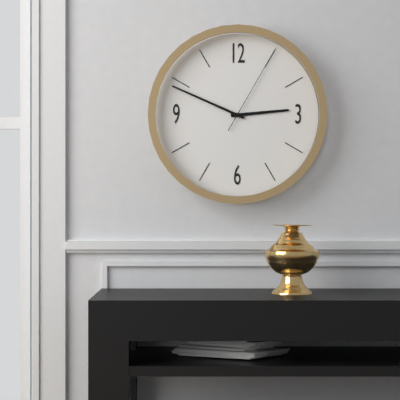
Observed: 2 h 49 min 05 s
